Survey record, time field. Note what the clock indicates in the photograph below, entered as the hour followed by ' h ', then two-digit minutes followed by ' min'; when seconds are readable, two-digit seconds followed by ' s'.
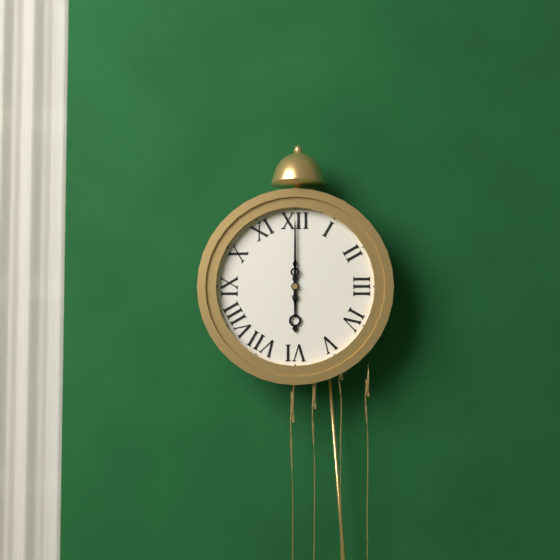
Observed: 6 h 00 min
